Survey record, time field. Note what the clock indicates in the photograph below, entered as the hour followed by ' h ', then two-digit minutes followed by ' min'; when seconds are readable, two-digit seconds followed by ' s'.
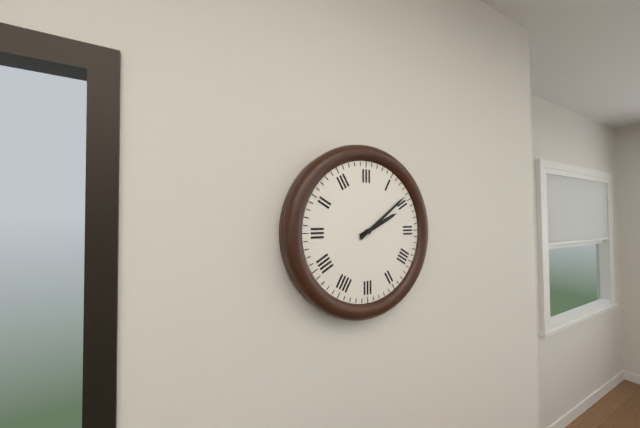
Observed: 2 h 09 min
